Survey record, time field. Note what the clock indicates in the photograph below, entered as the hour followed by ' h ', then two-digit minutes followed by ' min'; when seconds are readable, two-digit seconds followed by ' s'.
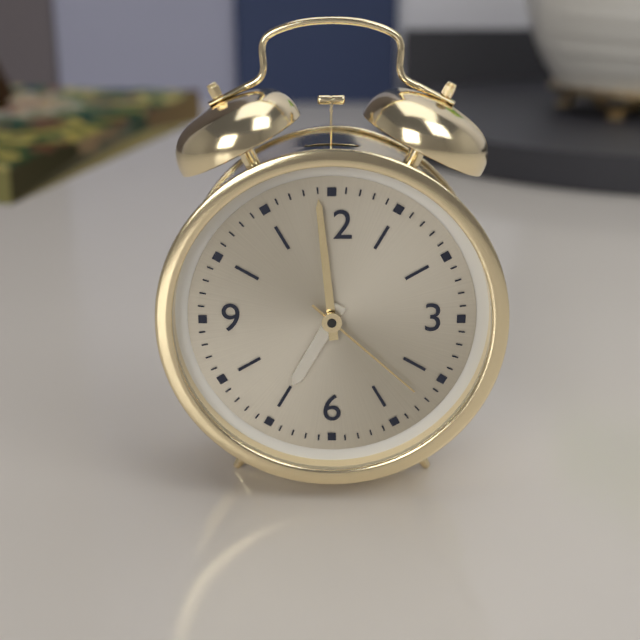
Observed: 6 h 59 min 22 s
